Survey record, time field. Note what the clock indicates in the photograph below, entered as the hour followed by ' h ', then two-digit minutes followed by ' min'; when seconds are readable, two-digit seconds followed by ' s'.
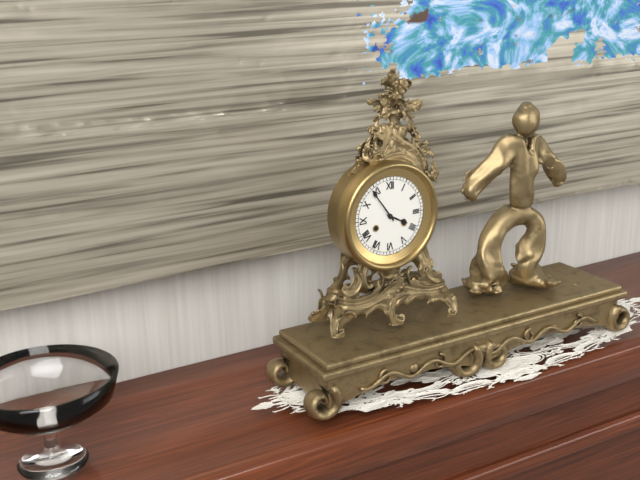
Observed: 3 h 54 min
